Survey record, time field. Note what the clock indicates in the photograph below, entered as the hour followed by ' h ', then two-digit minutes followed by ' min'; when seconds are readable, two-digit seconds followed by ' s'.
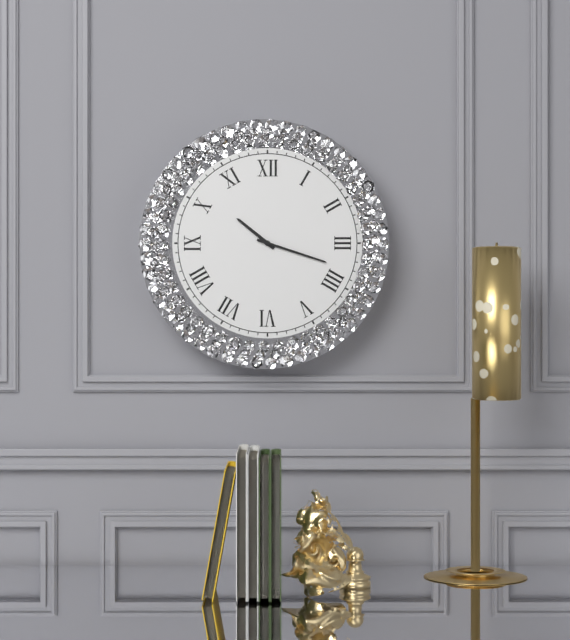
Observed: 10 h 18 min
